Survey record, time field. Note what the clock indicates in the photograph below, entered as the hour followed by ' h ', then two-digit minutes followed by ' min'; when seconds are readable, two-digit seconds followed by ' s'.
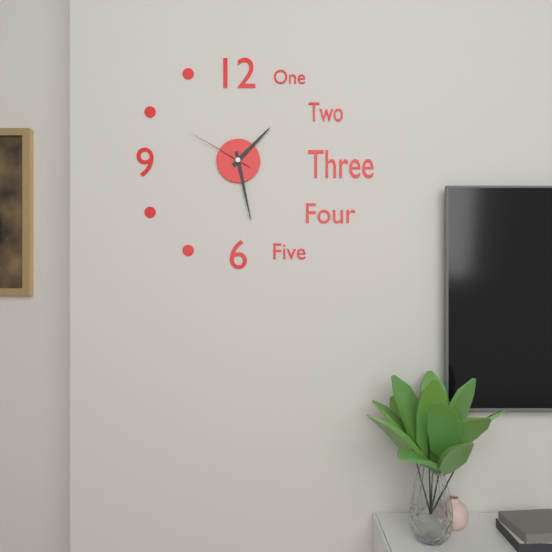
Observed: 1 h 28 min 50 s
